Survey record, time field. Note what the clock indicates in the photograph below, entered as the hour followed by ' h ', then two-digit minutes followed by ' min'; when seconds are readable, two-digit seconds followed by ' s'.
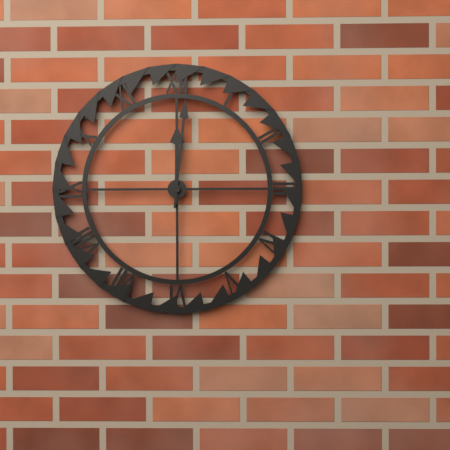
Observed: 12 h 01 min
